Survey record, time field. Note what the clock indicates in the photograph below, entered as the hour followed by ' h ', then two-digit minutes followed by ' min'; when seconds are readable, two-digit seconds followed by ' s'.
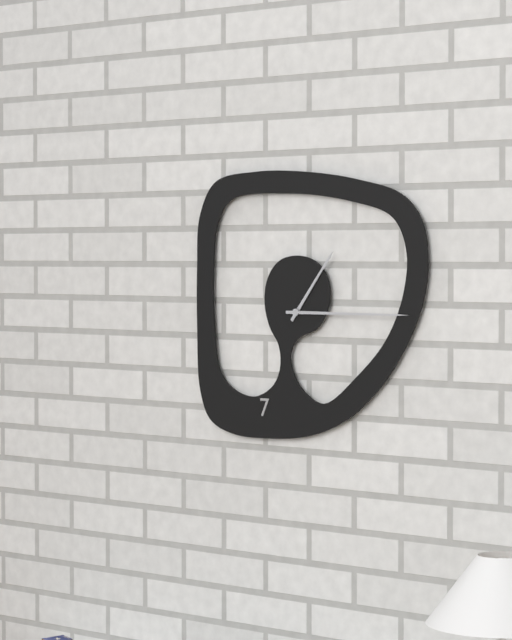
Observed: 1 h 15 min
